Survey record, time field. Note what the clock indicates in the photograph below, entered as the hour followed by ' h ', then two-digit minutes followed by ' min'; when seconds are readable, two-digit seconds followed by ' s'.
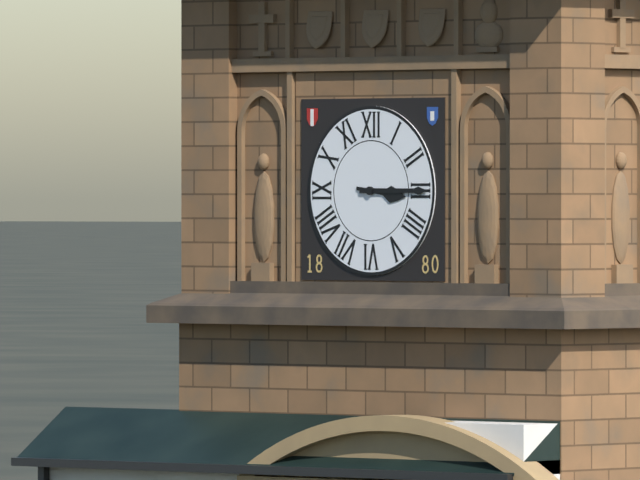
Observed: 3 h 15 min
